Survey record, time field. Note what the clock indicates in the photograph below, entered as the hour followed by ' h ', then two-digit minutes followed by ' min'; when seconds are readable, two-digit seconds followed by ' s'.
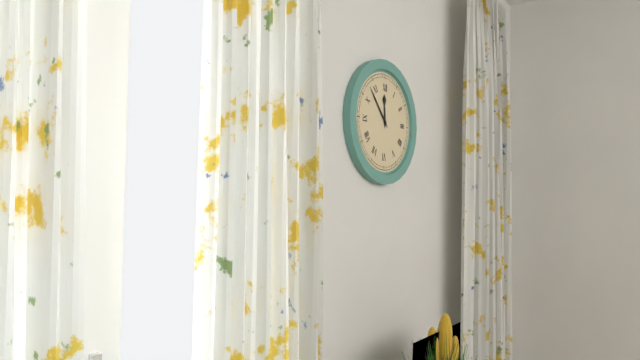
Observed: 11 h 53 min
